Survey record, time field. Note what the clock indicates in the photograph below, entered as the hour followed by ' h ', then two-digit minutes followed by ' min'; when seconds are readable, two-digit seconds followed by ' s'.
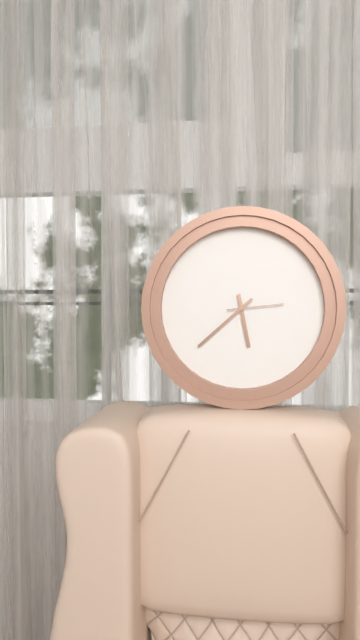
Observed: 5 h 38 min 14 s
